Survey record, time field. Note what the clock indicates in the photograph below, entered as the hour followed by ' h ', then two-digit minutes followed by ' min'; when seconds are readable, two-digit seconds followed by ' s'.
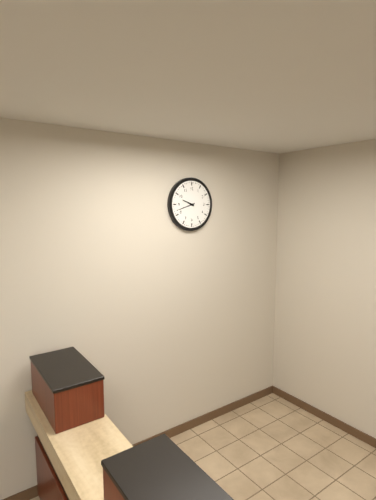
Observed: 9 h 42 min
